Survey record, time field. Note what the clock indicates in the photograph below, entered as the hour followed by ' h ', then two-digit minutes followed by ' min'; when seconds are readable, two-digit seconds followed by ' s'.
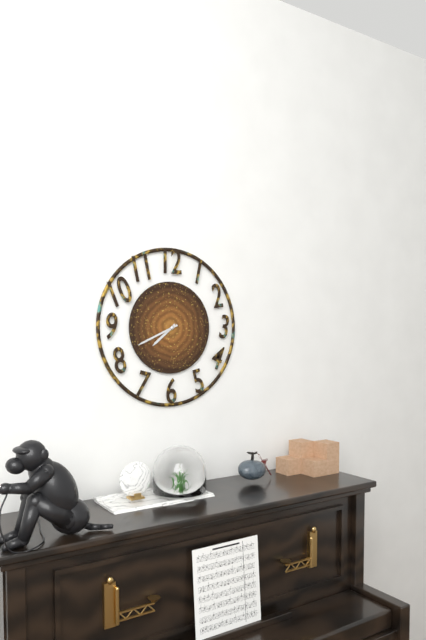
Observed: 7 h 41 min
